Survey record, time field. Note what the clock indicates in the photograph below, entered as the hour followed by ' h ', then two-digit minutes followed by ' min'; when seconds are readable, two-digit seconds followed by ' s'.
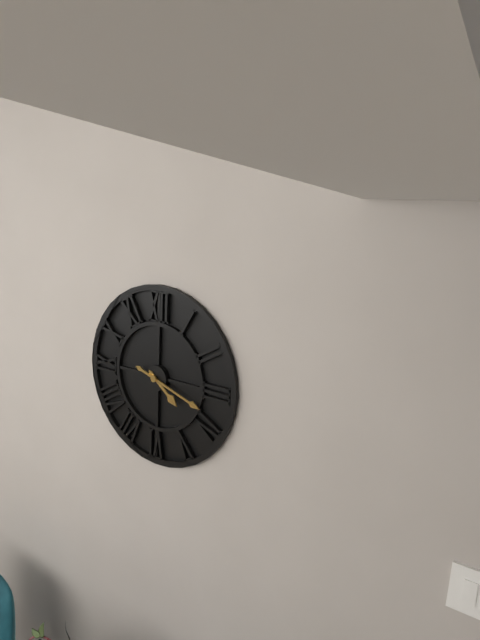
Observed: 4 h 18 min
